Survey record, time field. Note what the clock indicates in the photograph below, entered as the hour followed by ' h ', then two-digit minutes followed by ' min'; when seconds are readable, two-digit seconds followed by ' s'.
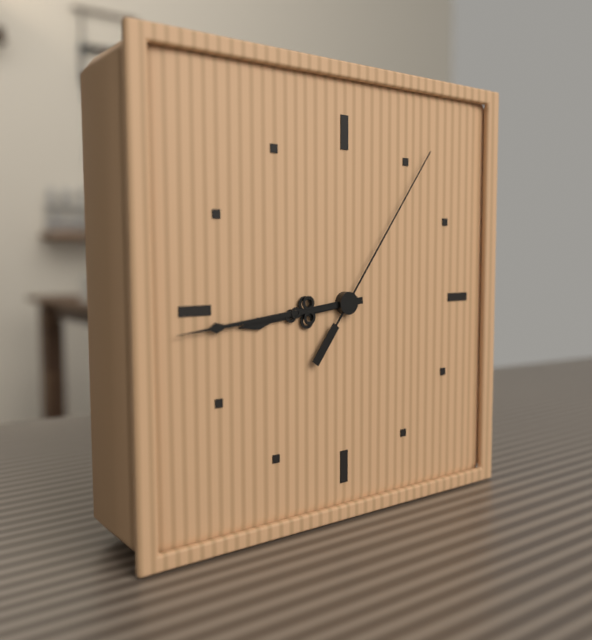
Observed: 8 h 44 min 06 s
